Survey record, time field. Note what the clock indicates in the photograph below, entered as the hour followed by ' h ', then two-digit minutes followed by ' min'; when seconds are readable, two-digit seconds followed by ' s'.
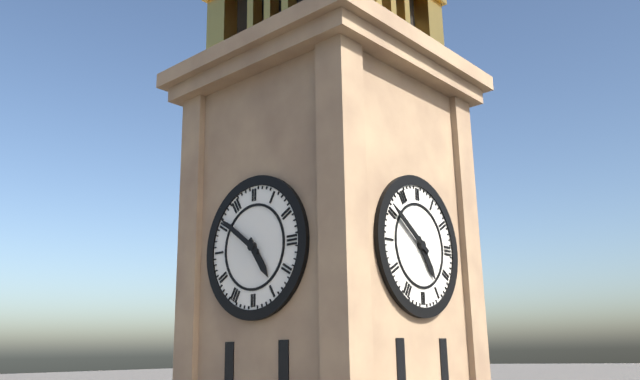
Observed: 4 h 51 min
